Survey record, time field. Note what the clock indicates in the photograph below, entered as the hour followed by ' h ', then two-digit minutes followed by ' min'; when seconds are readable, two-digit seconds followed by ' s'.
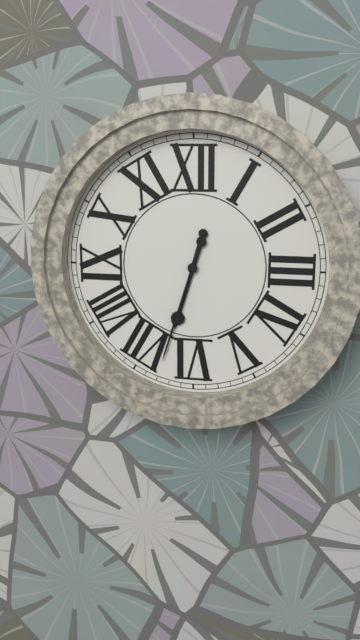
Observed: 6 h 33 min
